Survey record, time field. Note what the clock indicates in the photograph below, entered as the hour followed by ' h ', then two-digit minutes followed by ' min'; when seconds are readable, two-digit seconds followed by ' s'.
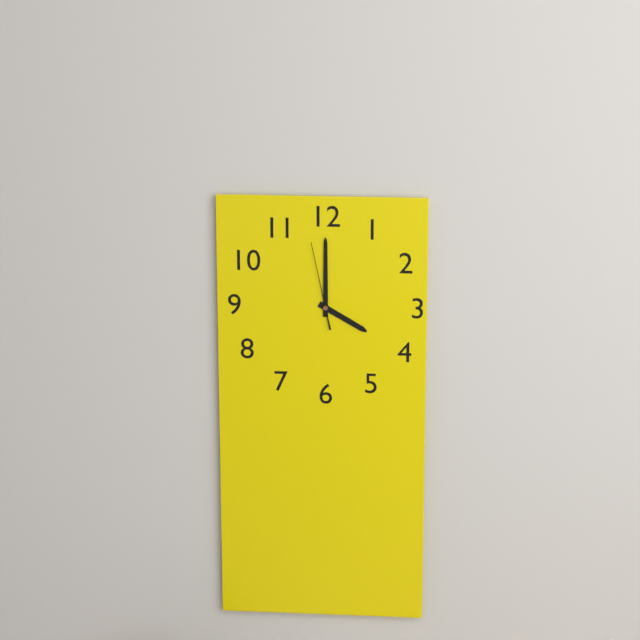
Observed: 4 h 00 min 58 s
